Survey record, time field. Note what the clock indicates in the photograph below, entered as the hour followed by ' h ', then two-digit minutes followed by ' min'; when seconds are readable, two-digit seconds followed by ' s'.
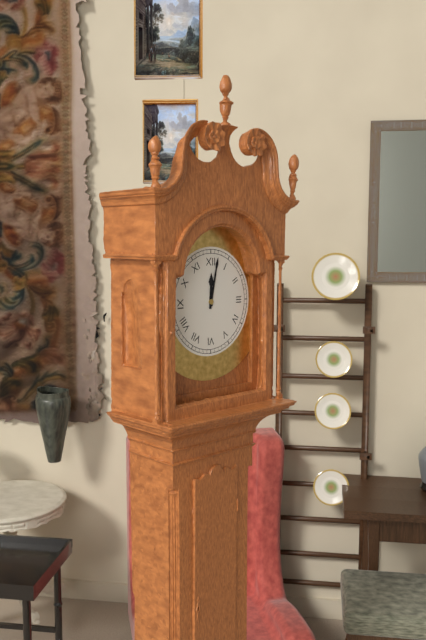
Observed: 12 h 02 min
